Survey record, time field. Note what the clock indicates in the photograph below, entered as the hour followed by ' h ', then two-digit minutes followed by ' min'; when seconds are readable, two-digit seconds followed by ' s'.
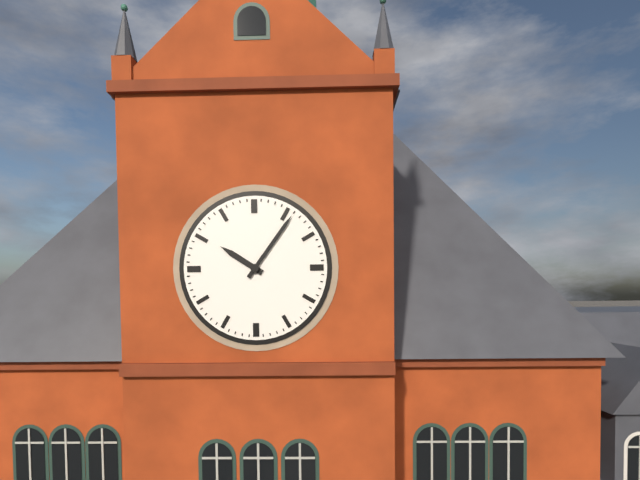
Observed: 10 h 06 min
